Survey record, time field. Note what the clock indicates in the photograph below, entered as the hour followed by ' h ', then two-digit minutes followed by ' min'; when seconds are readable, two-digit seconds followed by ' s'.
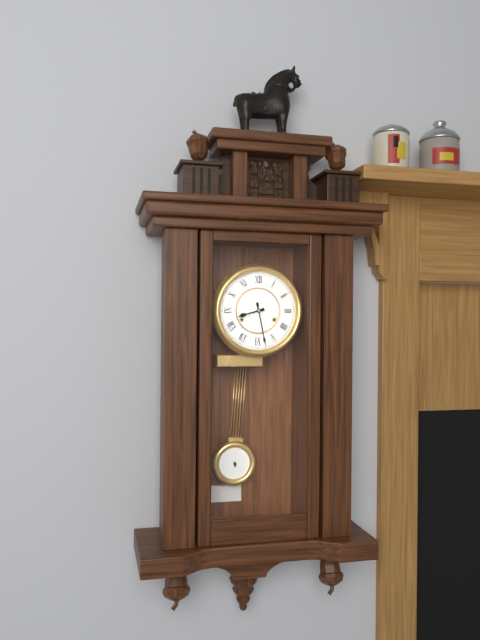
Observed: 8 h 28 min
